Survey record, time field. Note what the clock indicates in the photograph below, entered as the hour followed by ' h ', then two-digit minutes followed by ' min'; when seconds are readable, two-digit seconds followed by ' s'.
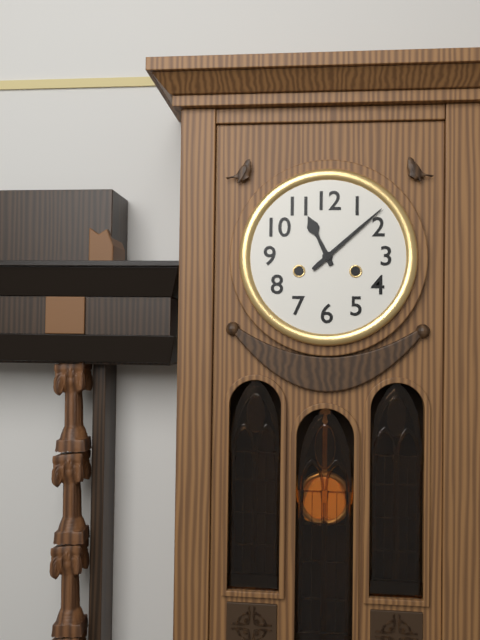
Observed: 11 h 08 min
